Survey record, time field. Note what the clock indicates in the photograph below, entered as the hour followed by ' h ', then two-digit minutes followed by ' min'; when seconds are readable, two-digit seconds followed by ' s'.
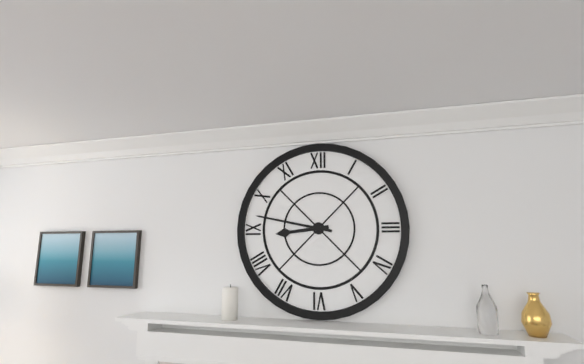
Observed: 8 h 47 min
